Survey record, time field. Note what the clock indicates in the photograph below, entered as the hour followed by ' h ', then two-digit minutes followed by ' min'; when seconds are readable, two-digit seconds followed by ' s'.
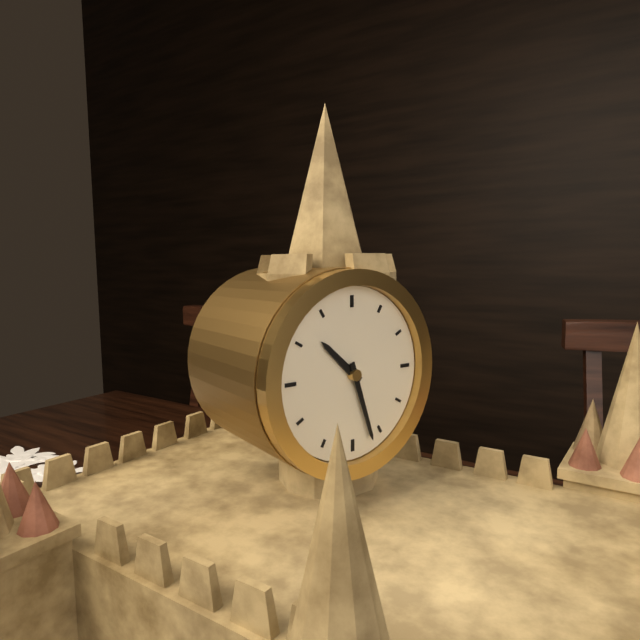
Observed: 10 h 27 min
